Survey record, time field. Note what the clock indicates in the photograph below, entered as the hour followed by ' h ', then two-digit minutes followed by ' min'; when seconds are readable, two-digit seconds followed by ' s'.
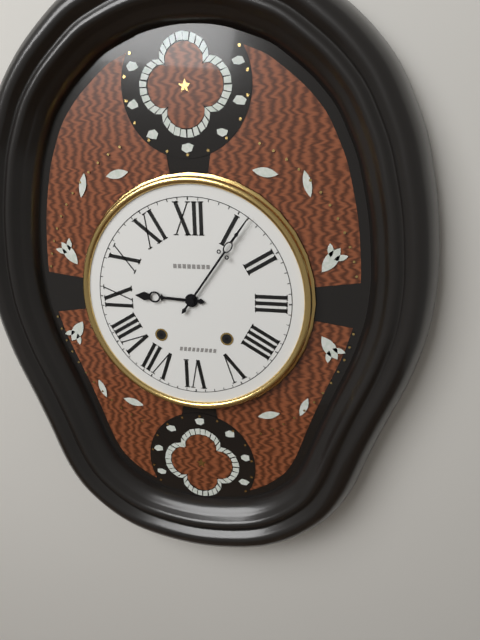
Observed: 9 h 06 min
